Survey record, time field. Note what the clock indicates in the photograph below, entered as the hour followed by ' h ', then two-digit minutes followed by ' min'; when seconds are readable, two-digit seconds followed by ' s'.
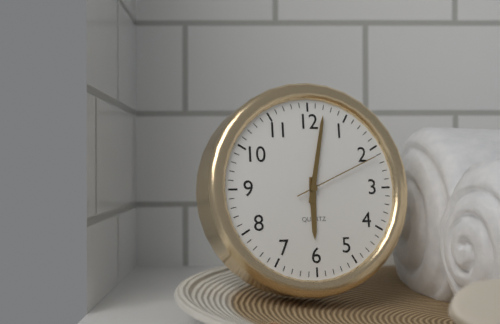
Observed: 6 h 02 min 11 s
